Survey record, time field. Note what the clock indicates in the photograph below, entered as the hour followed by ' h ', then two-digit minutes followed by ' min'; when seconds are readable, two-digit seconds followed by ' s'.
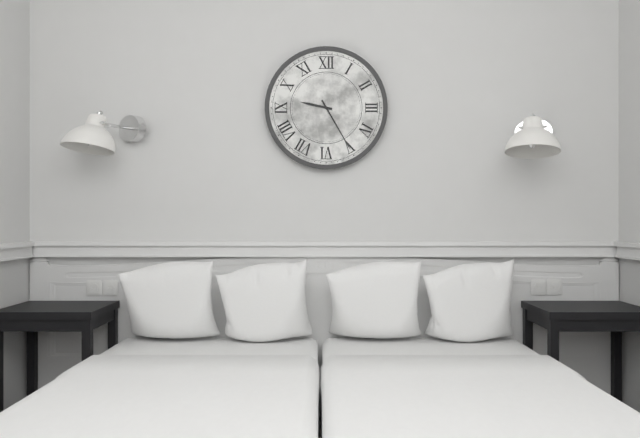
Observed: 9 h 25 min
